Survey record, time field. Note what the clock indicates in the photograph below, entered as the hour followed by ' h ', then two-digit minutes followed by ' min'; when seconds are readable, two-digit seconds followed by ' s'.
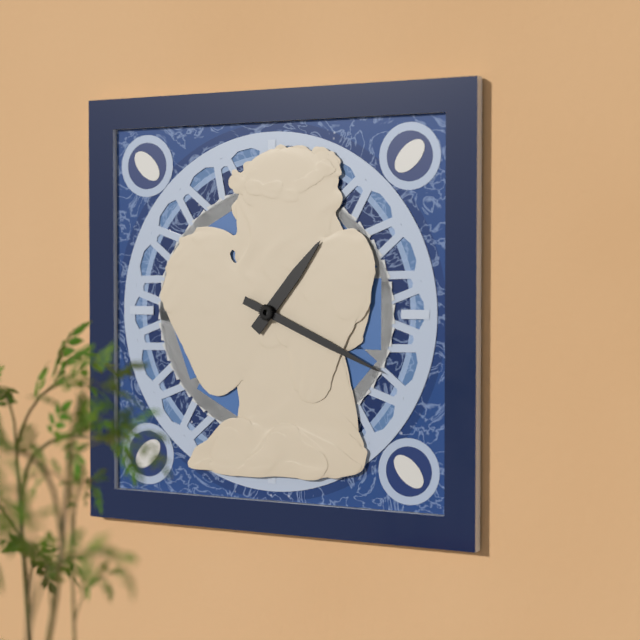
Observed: 1 h 19 min
